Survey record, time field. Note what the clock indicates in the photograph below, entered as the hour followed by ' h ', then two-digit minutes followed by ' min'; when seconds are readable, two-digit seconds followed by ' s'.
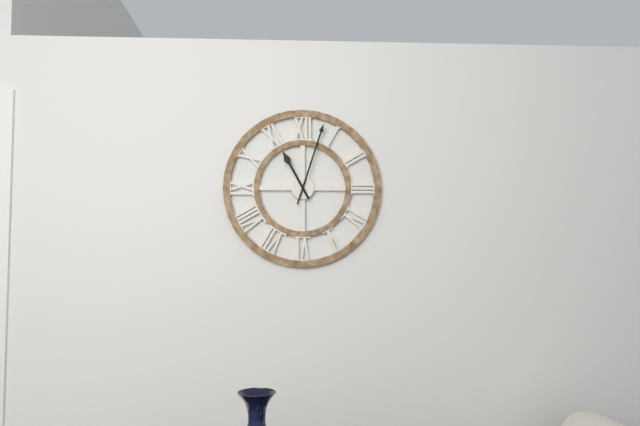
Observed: 11 h 03 min
